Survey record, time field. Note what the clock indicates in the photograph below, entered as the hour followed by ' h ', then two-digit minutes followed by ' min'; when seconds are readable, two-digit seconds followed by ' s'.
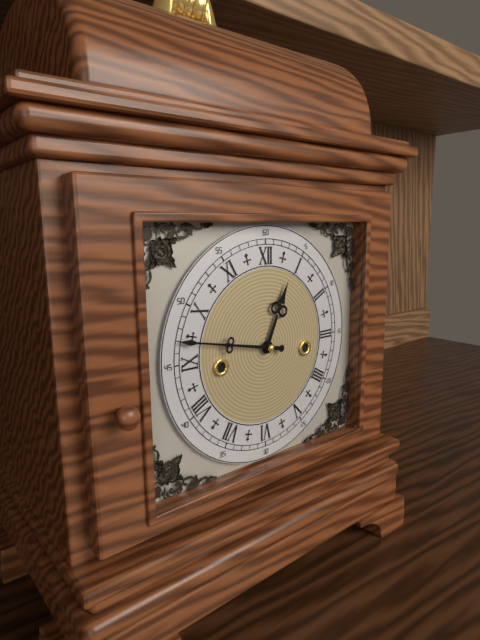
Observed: 12 h 47 min
